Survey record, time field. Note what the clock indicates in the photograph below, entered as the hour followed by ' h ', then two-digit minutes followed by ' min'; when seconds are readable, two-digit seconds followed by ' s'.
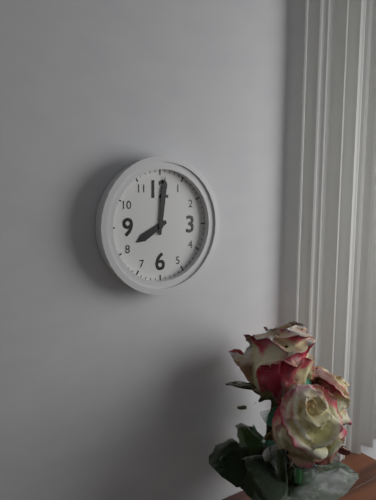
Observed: 8 h 01 min
